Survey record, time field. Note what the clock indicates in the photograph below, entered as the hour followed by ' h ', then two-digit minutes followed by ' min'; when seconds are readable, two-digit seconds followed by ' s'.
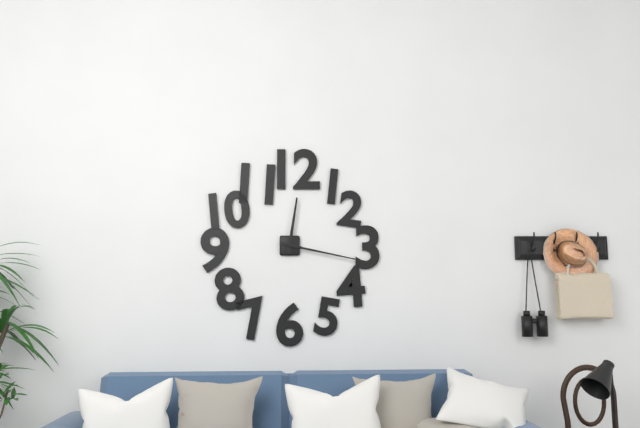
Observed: 12 h 17 min
